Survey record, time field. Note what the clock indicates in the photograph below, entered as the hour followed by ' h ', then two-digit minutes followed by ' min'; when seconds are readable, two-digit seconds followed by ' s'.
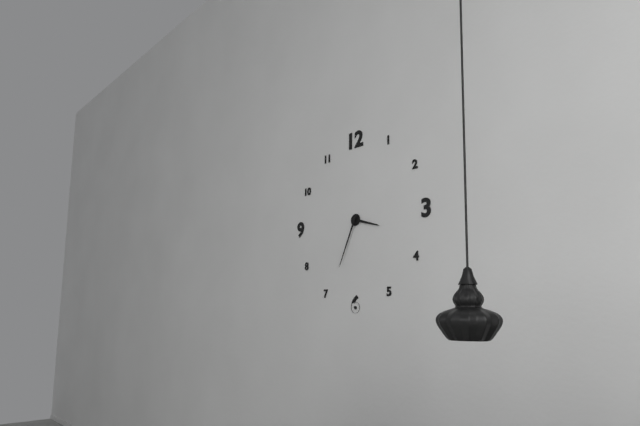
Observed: 3 h 34 min
